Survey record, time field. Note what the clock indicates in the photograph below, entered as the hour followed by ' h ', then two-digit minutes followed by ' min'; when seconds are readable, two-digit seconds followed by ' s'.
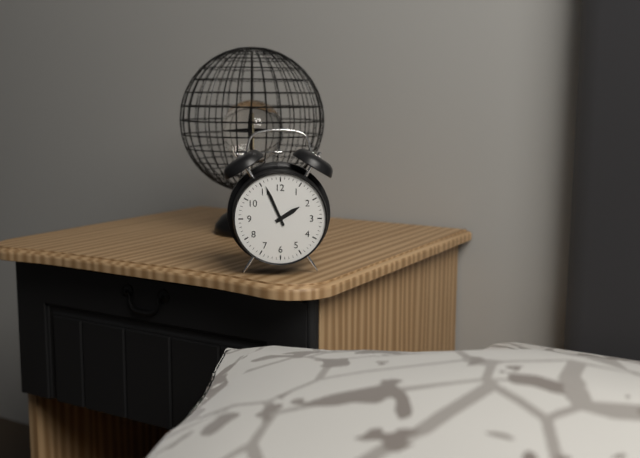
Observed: 1 h 56 min
